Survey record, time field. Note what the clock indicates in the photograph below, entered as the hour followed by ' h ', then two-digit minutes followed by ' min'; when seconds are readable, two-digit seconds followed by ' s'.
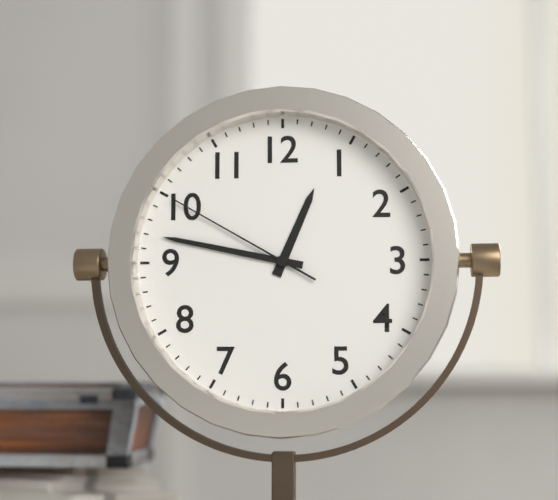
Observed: 12 h 47 min 50 s
